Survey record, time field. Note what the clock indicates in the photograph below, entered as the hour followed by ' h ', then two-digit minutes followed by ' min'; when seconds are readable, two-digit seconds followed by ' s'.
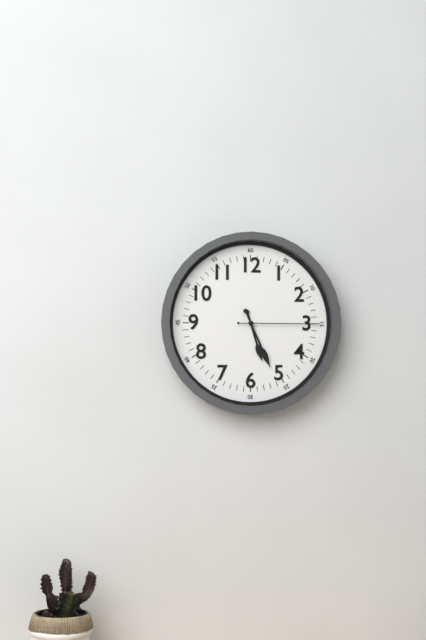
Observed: 5 h 26 min 15 s
